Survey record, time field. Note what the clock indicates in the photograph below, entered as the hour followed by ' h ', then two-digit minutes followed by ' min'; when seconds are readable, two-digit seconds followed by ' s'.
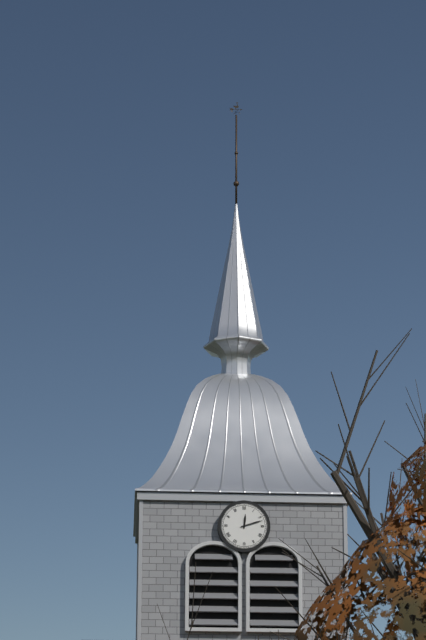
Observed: 12 h 12 min
